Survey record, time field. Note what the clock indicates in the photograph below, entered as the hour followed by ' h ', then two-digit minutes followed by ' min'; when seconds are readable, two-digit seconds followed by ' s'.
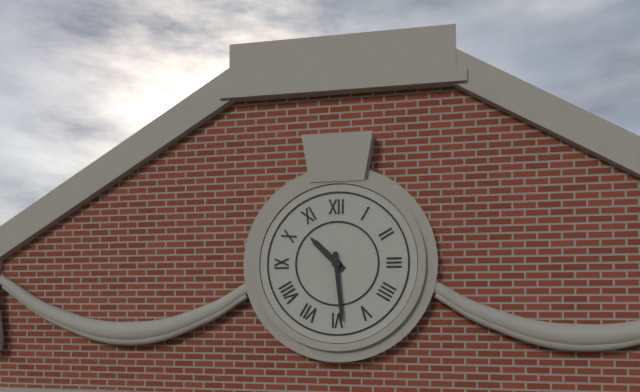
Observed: 10 h 29 min
